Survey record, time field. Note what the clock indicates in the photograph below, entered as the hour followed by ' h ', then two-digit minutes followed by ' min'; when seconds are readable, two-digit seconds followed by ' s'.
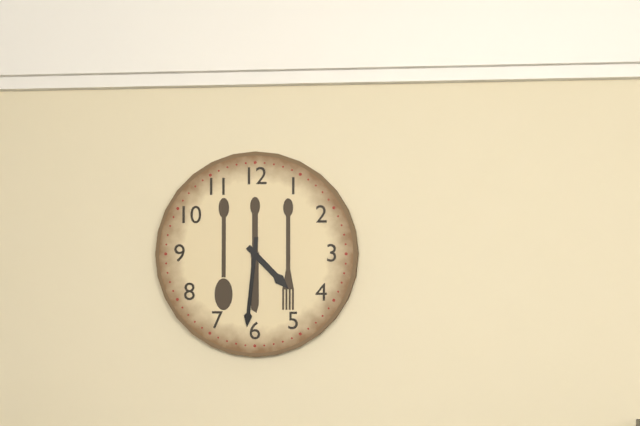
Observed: 4 h 31 min
